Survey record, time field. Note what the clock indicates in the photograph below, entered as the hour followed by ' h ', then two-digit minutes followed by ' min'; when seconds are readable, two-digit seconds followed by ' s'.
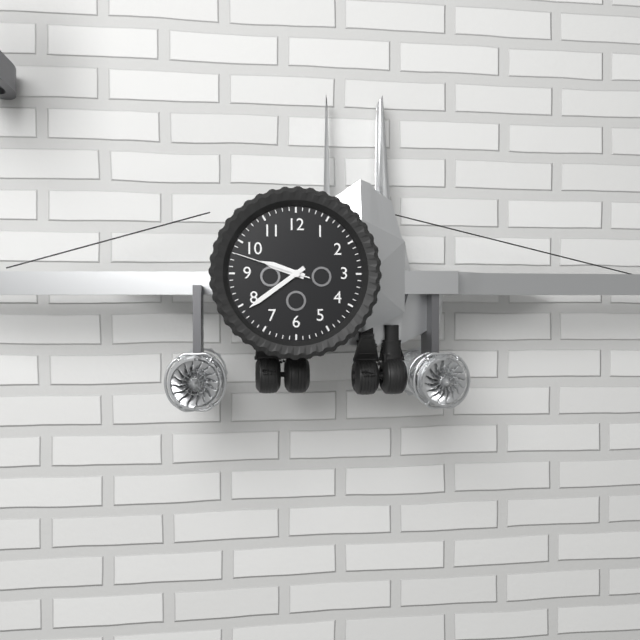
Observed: 9 h 39 min 48 s
